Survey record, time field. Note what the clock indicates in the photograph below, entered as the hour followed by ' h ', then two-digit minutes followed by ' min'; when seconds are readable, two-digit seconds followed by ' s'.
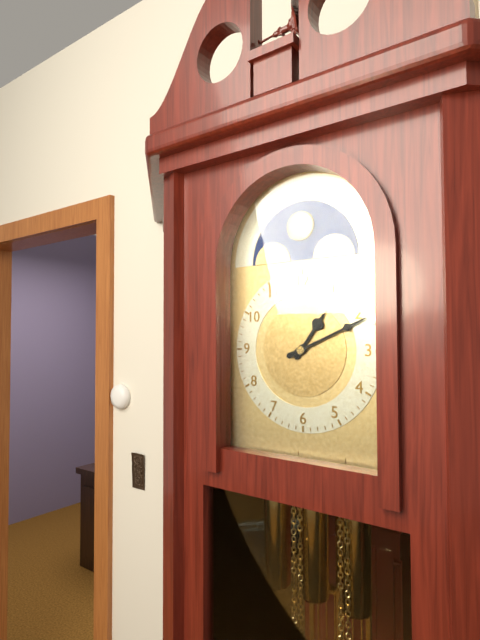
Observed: 1 h 11 min
